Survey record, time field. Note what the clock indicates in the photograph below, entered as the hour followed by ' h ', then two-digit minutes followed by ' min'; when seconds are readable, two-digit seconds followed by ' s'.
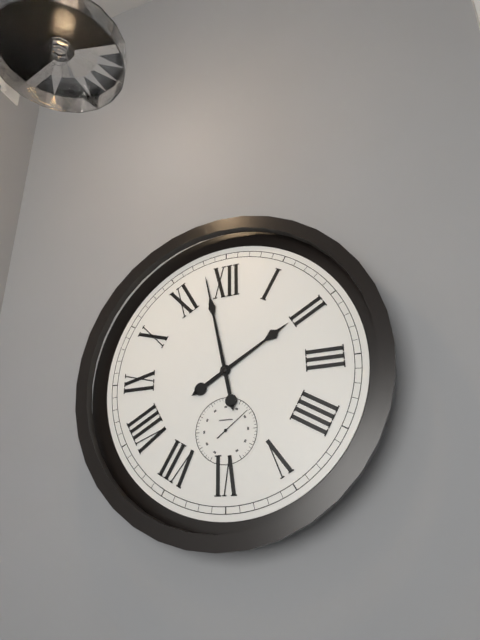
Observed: 1 h 58 min
